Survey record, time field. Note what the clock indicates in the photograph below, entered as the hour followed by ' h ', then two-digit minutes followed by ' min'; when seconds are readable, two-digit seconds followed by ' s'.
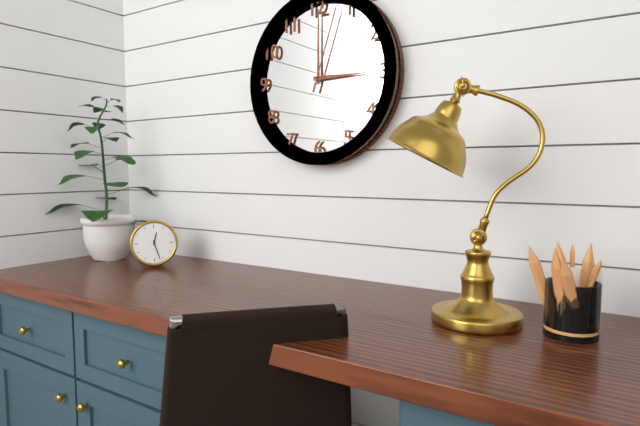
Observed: 12 h 27 min
